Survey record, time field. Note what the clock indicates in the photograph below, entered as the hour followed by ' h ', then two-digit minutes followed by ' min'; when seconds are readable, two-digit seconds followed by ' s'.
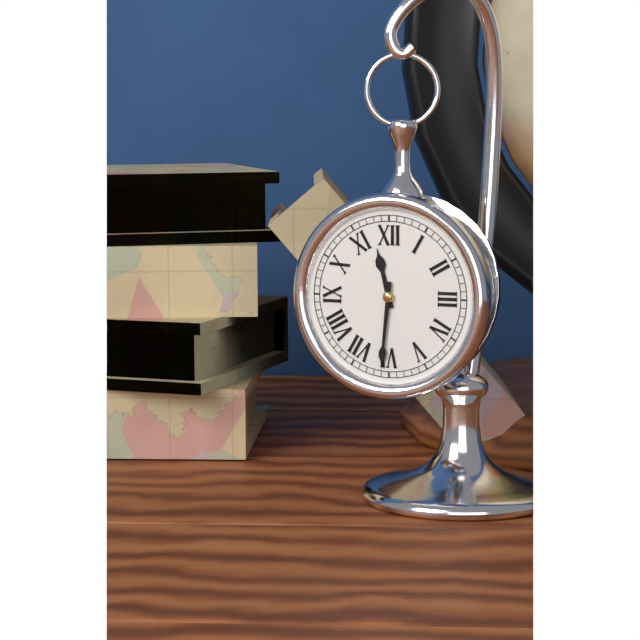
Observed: 11 h 31 min
